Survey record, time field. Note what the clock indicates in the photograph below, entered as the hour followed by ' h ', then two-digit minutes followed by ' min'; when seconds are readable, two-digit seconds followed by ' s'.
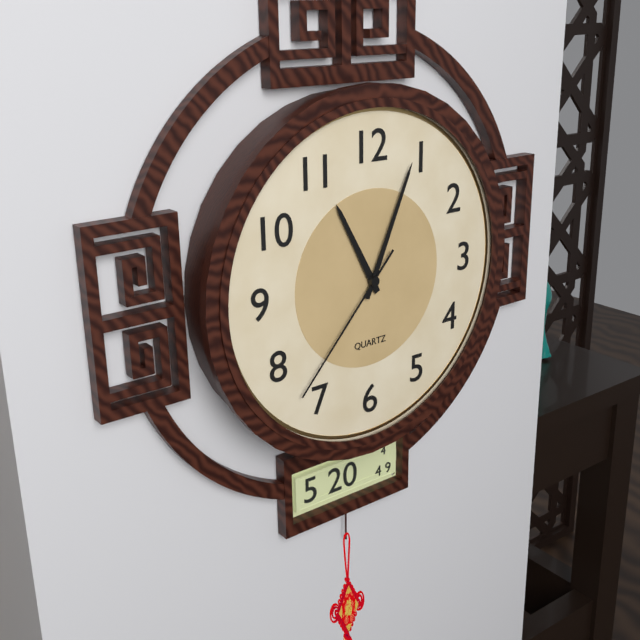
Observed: 11 h 04 min 37 s
